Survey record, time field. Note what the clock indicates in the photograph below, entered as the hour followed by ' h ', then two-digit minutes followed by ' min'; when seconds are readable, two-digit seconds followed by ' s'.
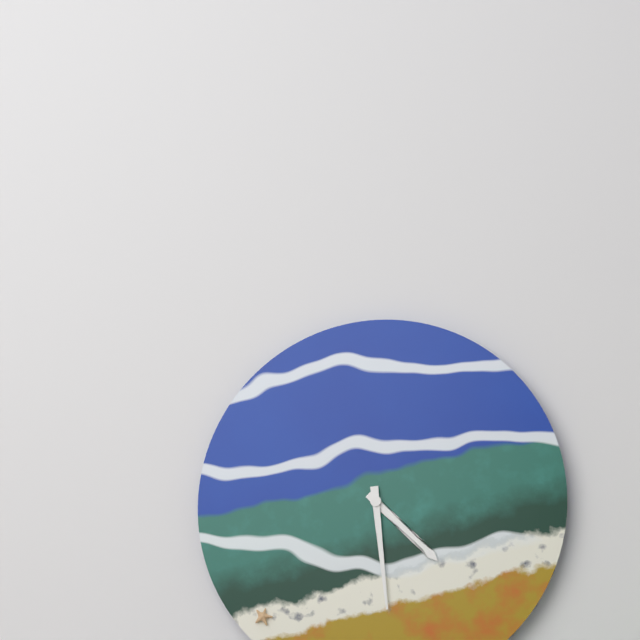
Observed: 4 h 29 min
